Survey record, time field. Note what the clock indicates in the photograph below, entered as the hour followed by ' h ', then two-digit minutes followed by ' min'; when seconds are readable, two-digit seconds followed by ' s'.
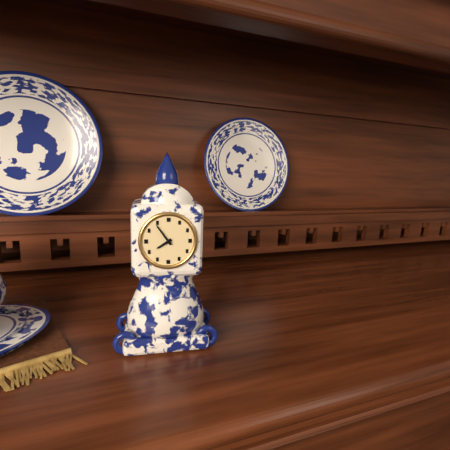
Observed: 7 h 54 min
